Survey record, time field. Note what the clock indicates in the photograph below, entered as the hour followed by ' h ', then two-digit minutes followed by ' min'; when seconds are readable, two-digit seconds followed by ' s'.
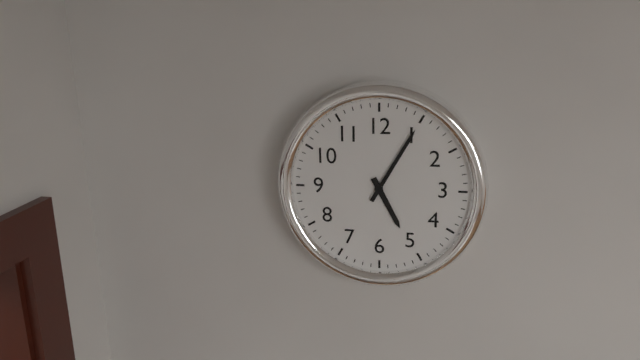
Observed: 5 h 05 min
